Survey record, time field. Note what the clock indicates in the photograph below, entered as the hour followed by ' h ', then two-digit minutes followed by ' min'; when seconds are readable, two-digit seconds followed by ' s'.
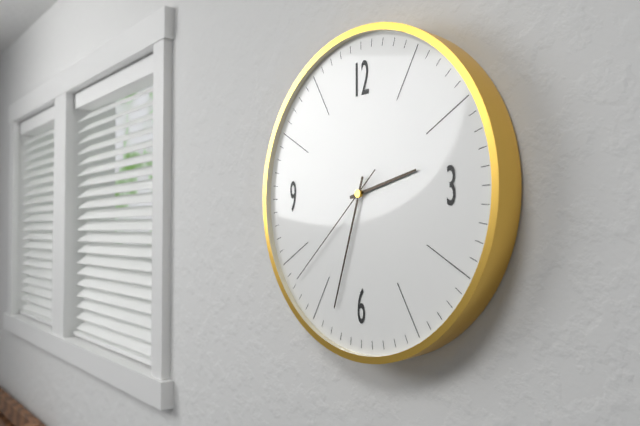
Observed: 2 h 33 min 38 s
